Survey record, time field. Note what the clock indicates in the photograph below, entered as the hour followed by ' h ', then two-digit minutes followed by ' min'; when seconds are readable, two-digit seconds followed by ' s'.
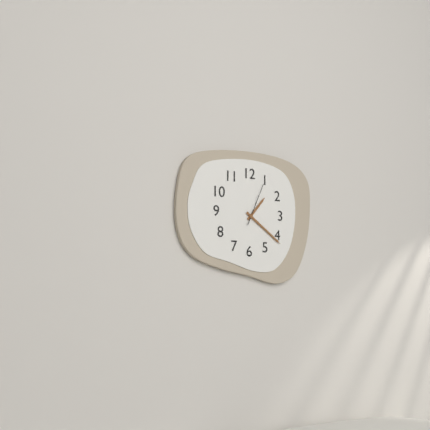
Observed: 1 h 21 min
